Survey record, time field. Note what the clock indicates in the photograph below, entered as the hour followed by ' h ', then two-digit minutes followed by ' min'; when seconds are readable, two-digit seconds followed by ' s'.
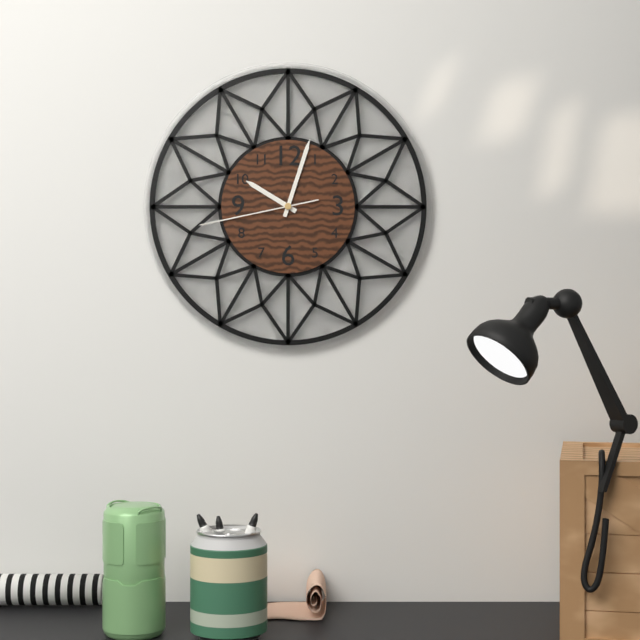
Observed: 10 h 03 min 43 s
